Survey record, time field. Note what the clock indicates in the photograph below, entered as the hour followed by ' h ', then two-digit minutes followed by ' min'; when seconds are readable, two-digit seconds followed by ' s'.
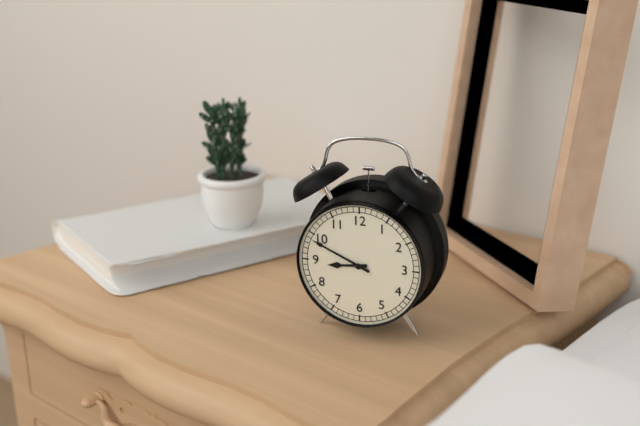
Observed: 8 h 49 min
